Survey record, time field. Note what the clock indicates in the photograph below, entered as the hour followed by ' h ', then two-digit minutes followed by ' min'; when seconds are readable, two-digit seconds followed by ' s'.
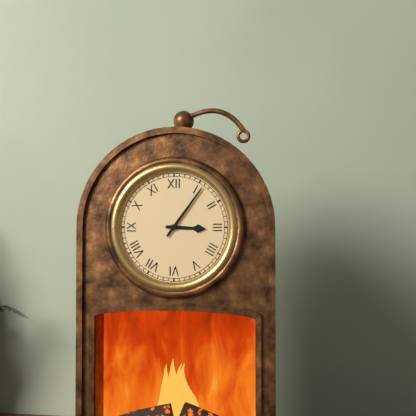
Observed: 3 h 06 min
